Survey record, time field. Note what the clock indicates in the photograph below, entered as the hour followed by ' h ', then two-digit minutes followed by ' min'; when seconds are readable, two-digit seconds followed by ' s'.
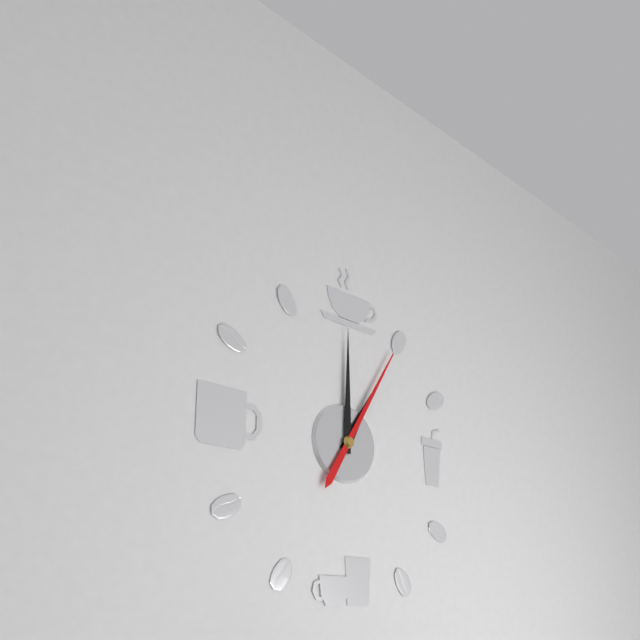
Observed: 1 h 00 min 05 s
